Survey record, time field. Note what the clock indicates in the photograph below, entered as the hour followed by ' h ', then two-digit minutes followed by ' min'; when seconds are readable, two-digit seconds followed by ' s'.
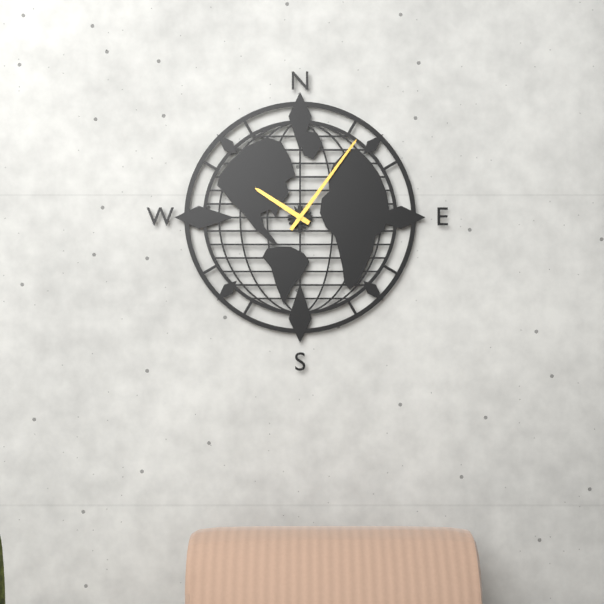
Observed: 10 h 06 min
